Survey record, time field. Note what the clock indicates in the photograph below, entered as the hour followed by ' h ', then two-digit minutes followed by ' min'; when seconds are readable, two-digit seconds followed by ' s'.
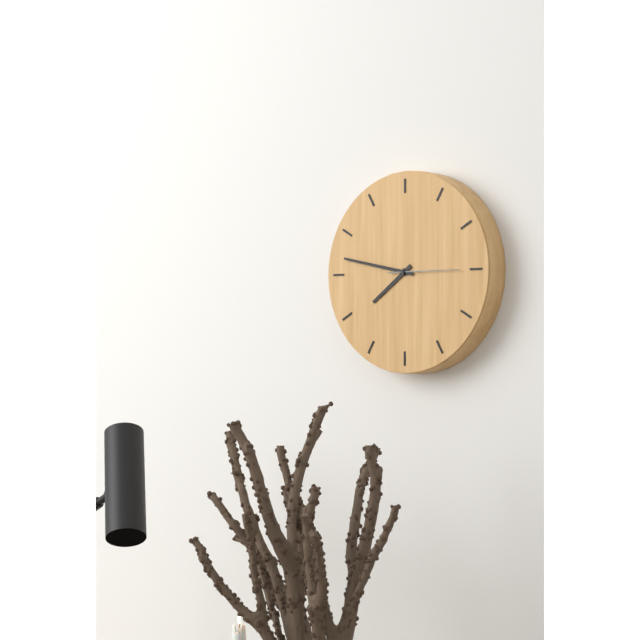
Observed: 7 h 47 min 15 s
